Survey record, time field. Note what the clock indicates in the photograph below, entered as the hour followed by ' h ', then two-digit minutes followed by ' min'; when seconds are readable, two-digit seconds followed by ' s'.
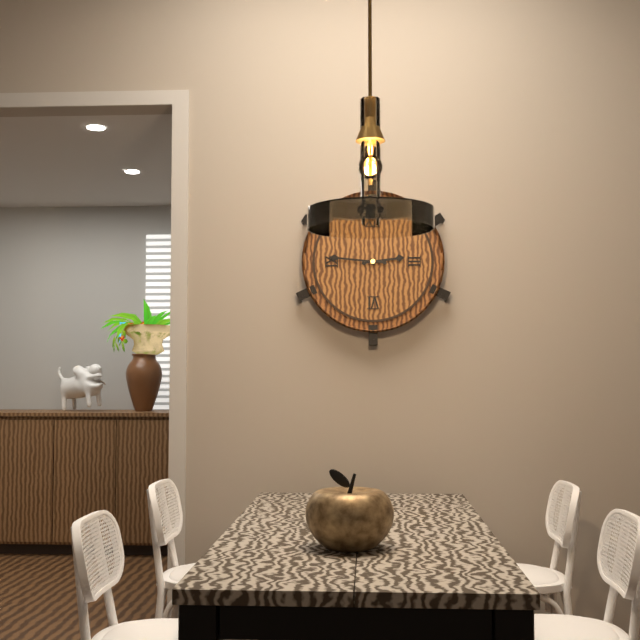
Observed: 2 h 46 min
